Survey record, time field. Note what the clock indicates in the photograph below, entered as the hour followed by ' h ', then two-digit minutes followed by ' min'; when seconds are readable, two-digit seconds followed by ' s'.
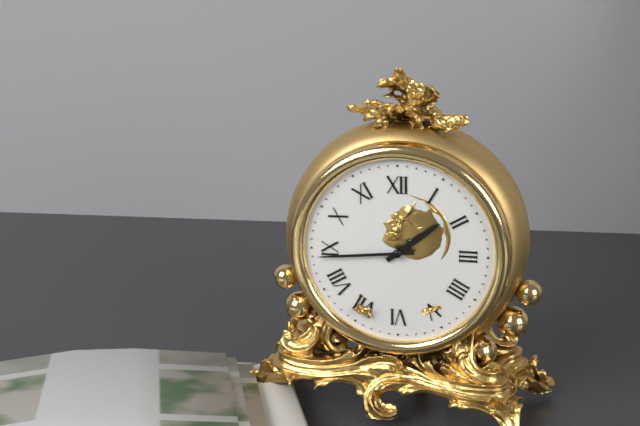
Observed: 1 h 44 min
